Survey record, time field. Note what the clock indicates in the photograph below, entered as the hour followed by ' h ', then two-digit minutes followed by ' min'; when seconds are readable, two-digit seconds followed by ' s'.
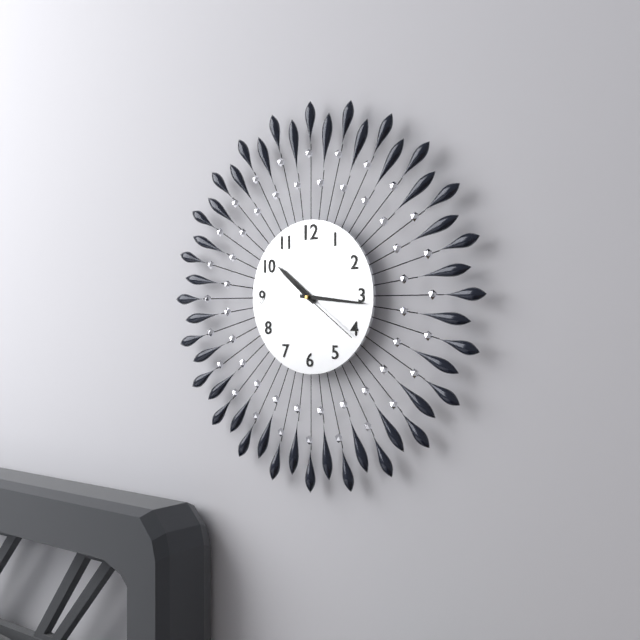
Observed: 10 h 16 min 21 s
